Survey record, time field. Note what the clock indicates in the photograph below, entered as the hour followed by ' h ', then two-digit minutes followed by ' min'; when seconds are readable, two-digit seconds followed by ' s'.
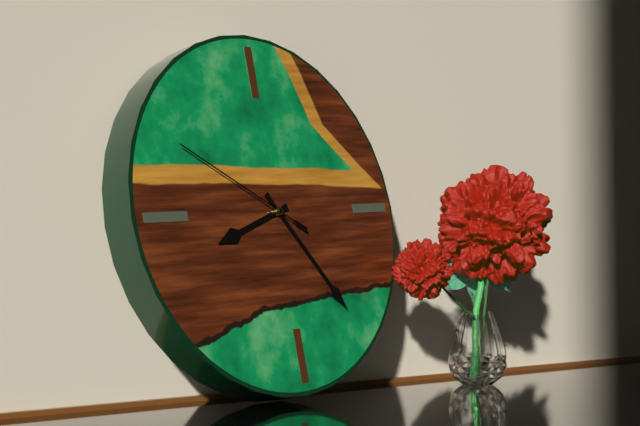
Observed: 8 h 24 min 50 s
